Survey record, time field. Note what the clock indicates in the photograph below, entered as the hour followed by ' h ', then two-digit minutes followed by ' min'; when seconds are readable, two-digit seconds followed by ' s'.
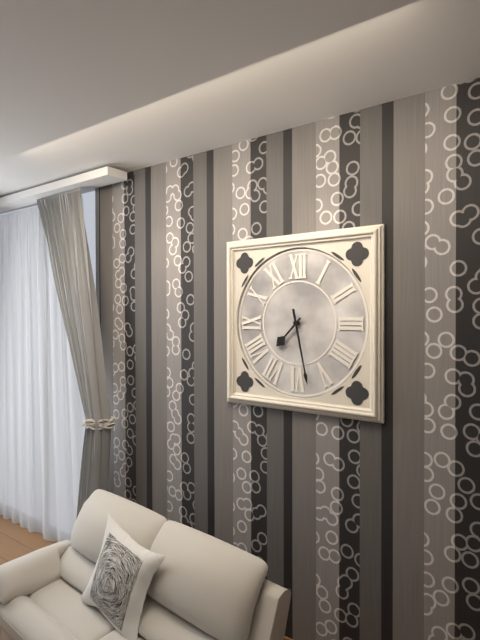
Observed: 7 h 28 min
